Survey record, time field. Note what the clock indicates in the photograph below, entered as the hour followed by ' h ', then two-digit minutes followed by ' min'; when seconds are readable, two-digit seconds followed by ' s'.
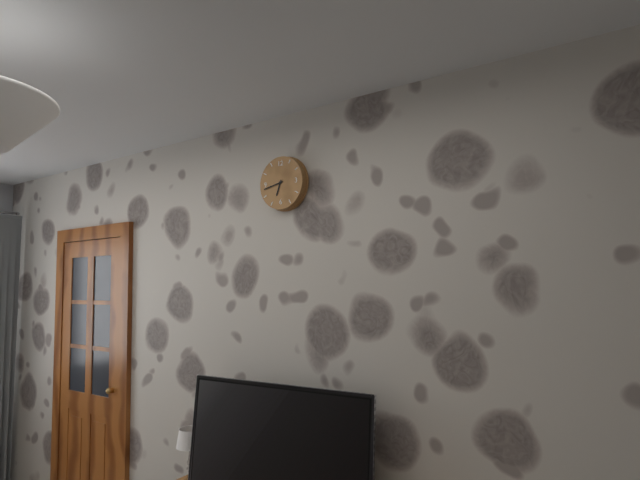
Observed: 6 h 43 min
